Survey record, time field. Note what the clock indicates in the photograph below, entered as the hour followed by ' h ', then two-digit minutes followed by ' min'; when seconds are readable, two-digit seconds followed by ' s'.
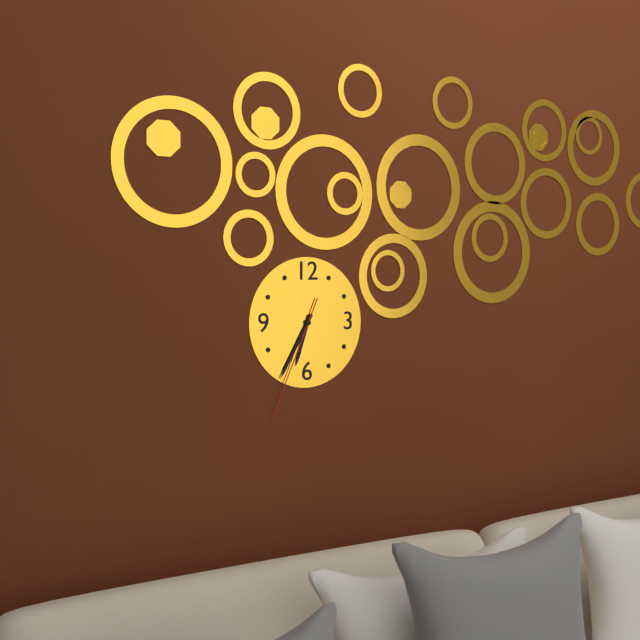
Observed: 6 h 35 min 34 s
